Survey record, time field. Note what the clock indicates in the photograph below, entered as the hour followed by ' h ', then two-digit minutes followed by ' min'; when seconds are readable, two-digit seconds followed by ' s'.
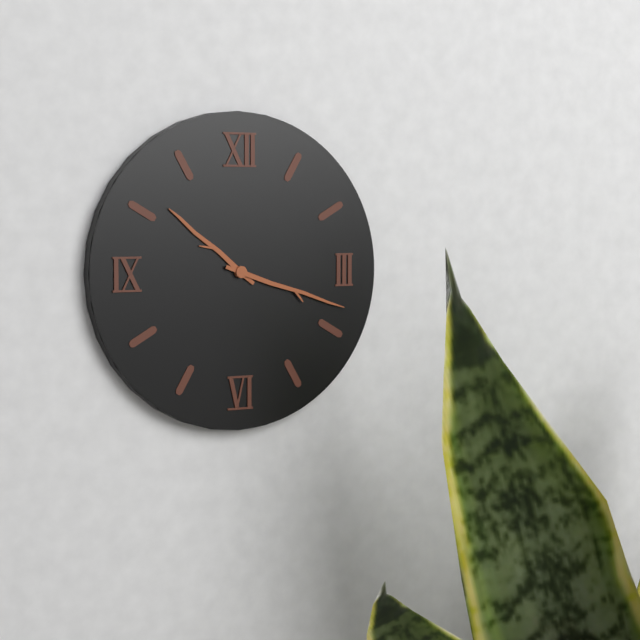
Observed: 10 h 18 min
